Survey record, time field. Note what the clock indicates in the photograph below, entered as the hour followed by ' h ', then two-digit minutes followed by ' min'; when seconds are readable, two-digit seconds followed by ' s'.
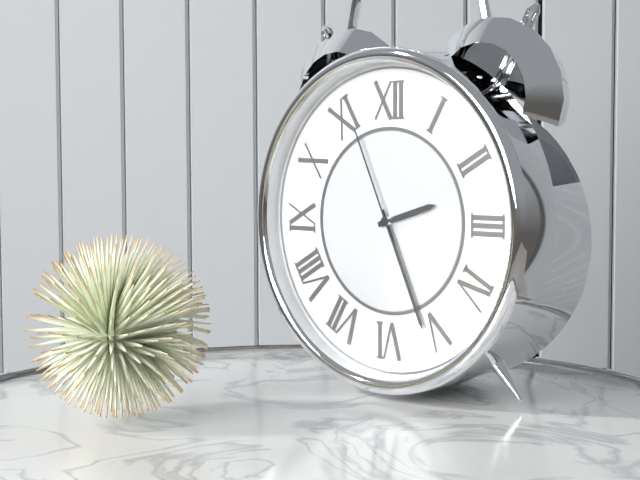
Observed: 2 h 26 min 56 s
